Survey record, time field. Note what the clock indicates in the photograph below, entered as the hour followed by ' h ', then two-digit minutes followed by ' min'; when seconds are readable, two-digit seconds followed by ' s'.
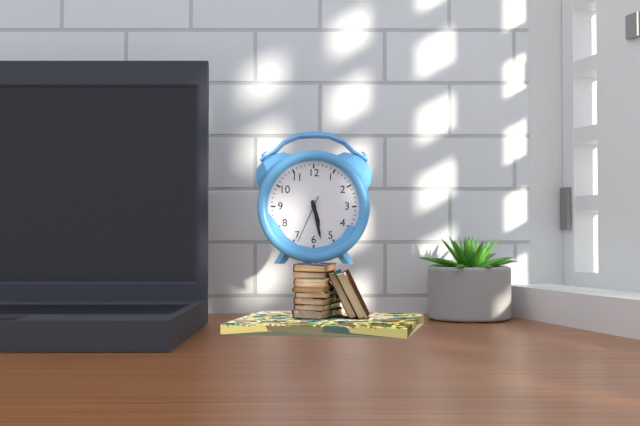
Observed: 5 h 28 min
